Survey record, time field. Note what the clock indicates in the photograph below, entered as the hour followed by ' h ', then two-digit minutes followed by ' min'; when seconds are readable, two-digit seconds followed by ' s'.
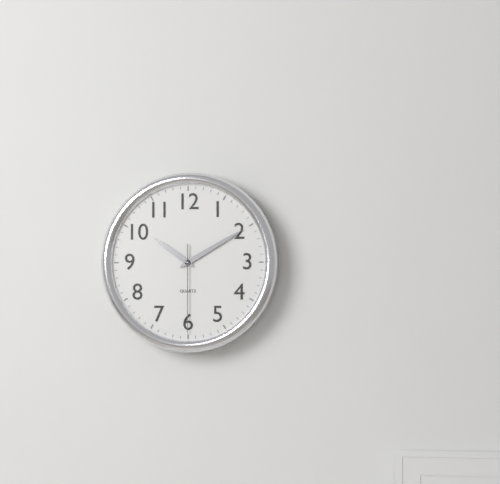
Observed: 10 h 10 min 30 s
